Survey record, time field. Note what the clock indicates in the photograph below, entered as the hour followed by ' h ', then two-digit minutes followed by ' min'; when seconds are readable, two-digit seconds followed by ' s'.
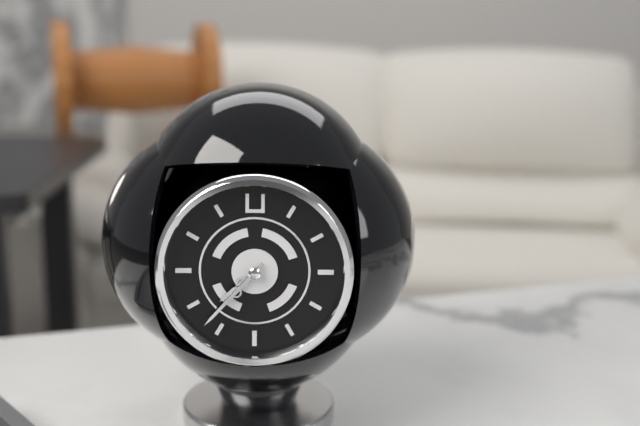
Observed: 7 h 37 min
